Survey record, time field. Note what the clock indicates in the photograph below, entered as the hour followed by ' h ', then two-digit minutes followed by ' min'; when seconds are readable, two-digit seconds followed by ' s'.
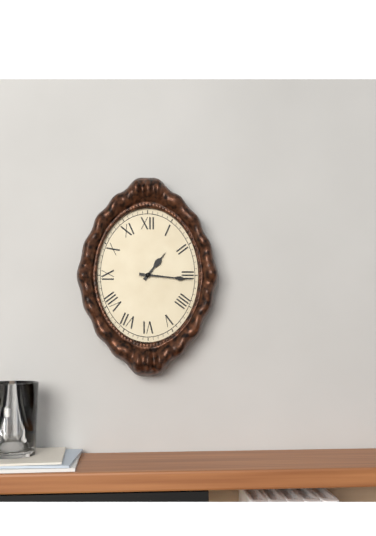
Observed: 1 h 16 min
